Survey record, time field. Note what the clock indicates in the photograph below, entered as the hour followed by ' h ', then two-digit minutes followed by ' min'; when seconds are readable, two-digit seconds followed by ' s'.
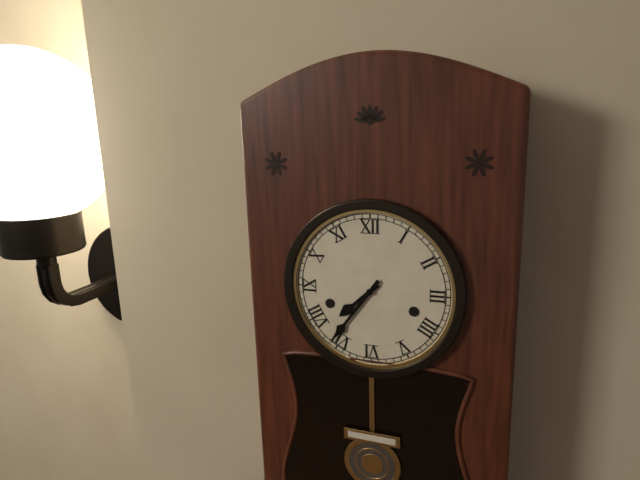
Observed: 7 h 36 min
